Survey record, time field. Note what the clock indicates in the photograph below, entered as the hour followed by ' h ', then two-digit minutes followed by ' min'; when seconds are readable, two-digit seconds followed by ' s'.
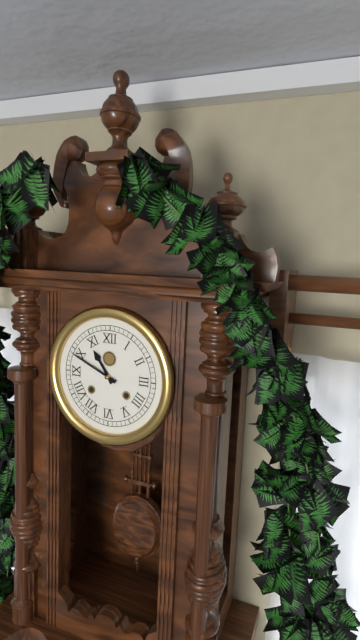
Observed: 10 h 49 min
